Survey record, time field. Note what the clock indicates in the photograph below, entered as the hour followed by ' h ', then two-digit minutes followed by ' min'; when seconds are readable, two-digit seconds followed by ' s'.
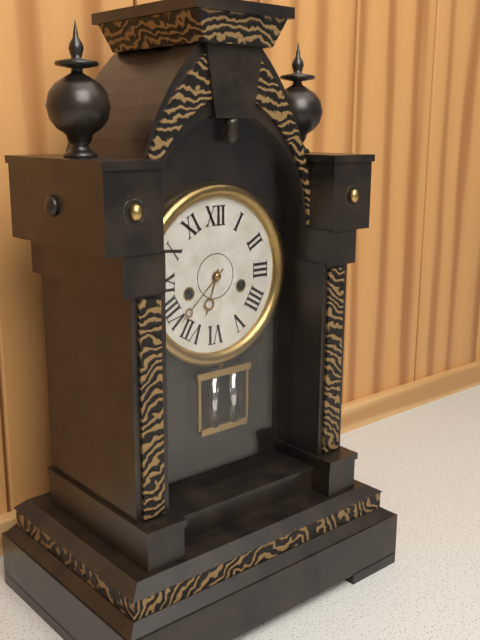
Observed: 6 h 38 min
